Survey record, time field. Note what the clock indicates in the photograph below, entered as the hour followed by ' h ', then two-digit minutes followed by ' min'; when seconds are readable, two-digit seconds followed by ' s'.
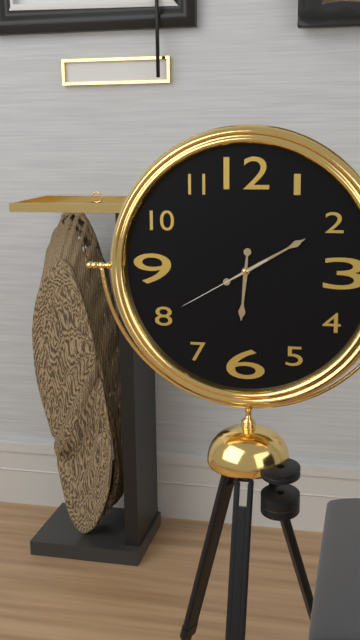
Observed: 6 h 10 min 40 s
